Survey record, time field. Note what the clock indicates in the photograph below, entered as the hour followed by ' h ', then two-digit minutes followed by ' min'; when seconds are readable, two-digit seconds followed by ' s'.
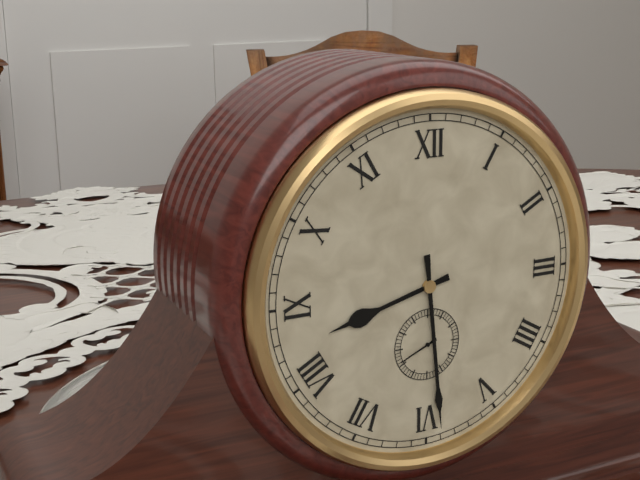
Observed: 8 h 29 min 41 s
